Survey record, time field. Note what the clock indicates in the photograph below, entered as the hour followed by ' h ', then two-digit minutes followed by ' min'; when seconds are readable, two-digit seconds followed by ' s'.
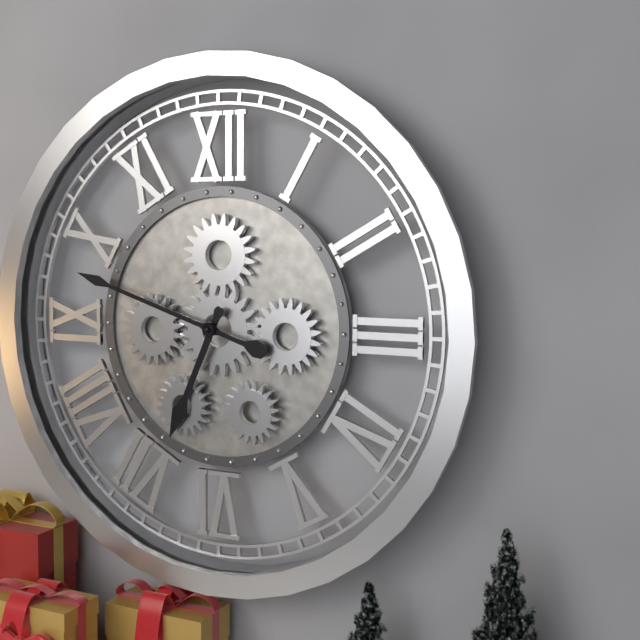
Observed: 6 h 48 min
